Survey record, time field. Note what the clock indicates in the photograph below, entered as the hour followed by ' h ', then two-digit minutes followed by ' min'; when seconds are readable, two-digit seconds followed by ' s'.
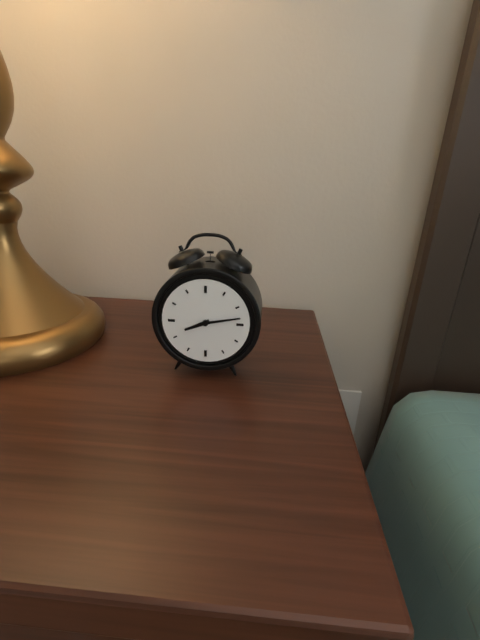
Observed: 8 h 13 min
